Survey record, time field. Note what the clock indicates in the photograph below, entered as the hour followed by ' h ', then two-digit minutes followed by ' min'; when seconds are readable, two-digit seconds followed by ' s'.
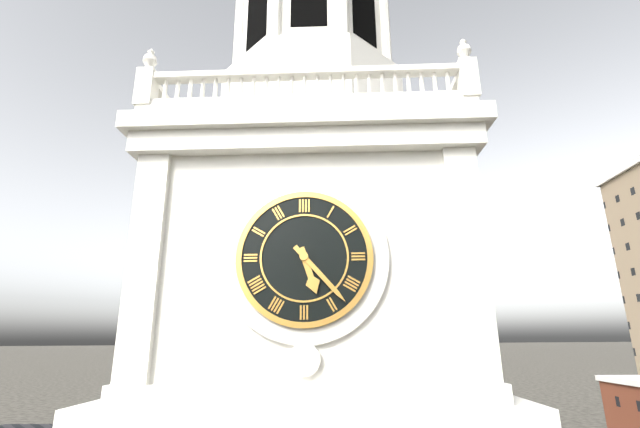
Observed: 5 h 23 min
